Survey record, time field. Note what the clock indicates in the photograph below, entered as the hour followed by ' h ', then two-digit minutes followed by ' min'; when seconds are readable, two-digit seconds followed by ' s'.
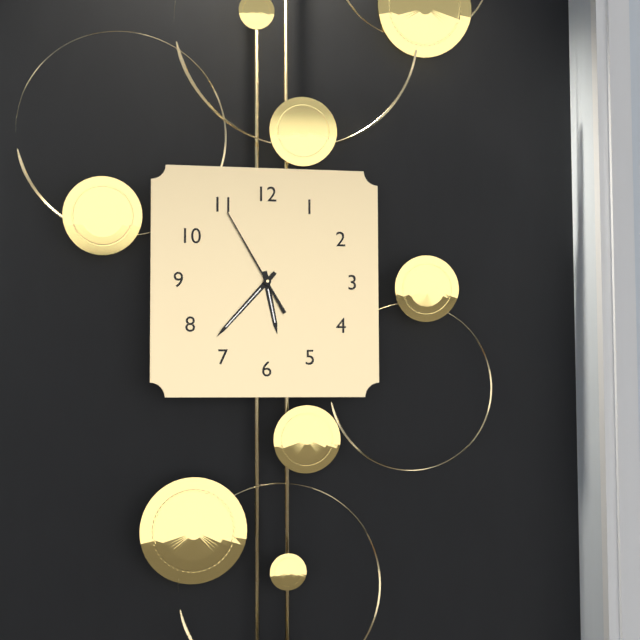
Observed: 5 h 37 min 55 s
